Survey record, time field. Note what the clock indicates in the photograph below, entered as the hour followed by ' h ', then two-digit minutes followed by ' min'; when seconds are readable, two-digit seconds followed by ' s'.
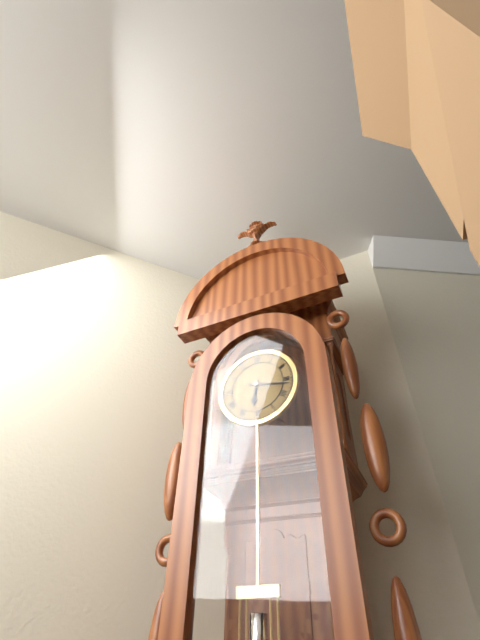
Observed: 6 h 17 min
